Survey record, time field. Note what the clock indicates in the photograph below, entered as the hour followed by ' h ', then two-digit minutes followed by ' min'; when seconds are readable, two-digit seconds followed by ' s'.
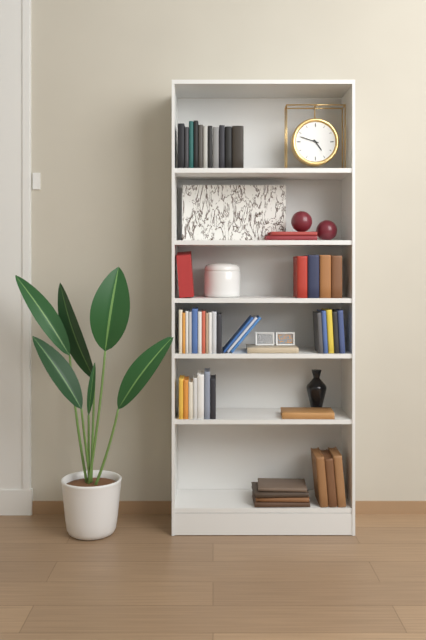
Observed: 4 h 48 min
